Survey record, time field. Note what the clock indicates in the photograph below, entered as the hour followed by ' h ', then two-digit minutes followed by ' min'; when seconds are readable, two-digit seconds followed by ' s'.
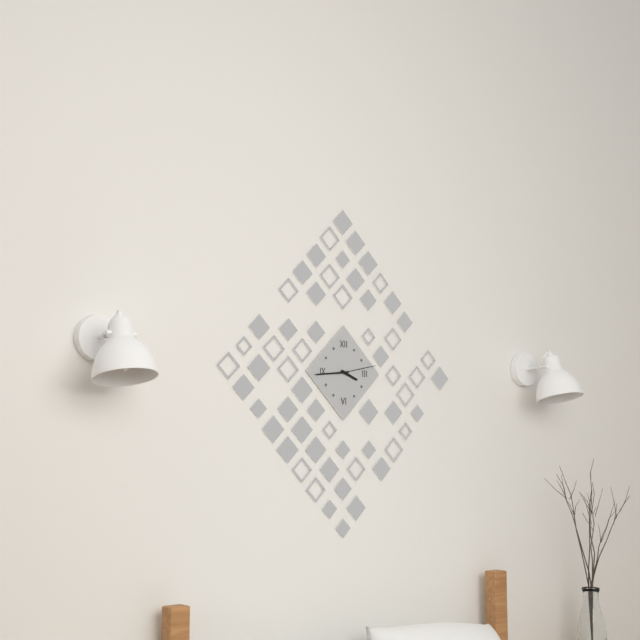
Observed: 3 h 44 min
